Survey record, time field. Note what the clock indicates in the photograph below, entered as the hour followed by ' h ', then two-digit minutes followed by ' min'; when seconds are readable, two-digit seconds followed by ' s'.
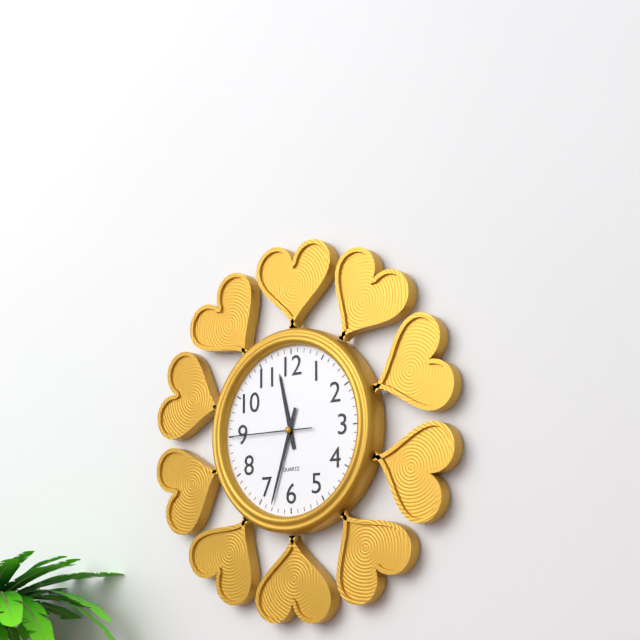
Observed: 11 h 33 min 45 s
